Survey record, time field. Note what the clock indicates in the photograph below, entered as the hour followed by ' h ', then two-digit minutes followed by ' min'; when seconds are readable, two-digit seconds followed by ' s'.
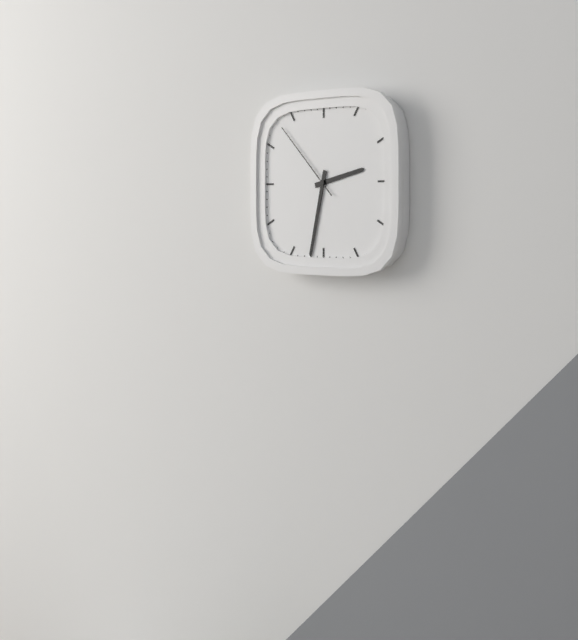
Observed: 2 h 32 min 53 s
